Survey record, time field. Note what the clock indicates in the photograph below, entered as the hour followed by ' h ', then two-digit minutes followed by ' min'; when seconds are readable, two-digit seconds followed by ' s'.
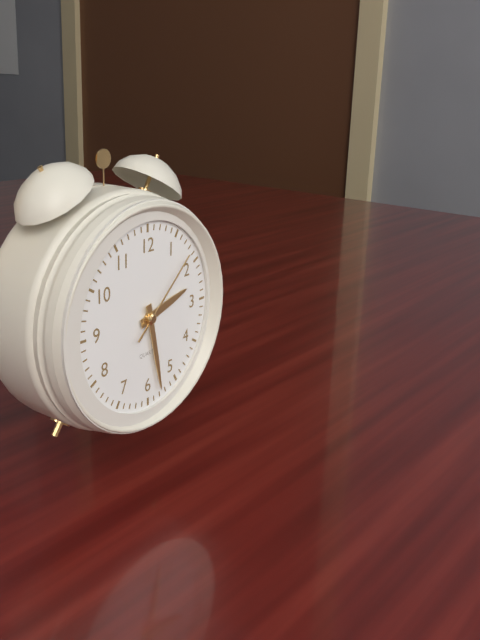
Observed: 2 h 28 min 08 s
